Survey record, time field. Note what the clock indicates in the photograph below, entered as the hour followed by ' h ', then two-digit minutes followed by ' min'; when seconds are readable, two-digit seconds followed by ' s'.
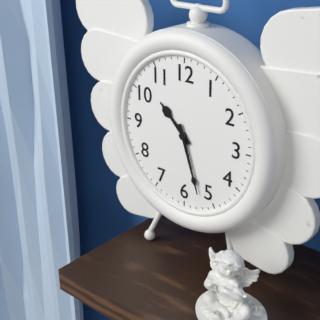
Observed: 10 h 27 min
